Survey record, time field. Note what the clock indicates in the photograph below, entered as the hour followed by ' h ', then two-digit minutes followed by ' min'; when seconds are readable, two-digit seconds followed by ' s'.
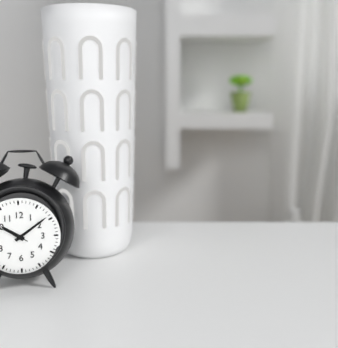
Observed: 10 h 09 min
